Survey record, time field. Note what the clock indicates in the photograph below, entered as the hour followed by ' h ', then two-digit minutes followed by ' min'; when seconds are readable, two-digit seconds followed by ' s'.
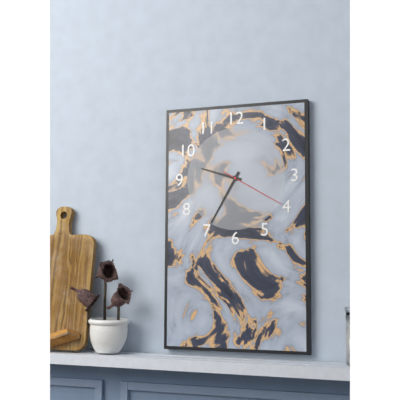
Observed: 9 h 35 min 20 s
